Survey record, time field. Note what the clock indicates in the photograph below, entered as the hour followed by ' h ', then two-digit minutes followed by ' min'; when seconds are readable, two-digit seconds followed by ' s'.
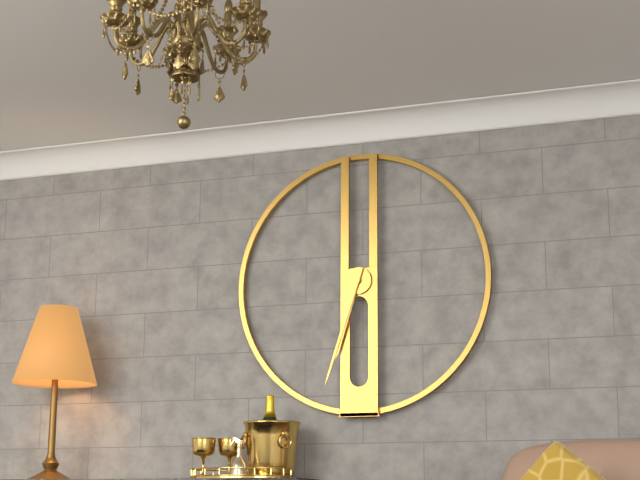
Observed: 6 h 33 min
